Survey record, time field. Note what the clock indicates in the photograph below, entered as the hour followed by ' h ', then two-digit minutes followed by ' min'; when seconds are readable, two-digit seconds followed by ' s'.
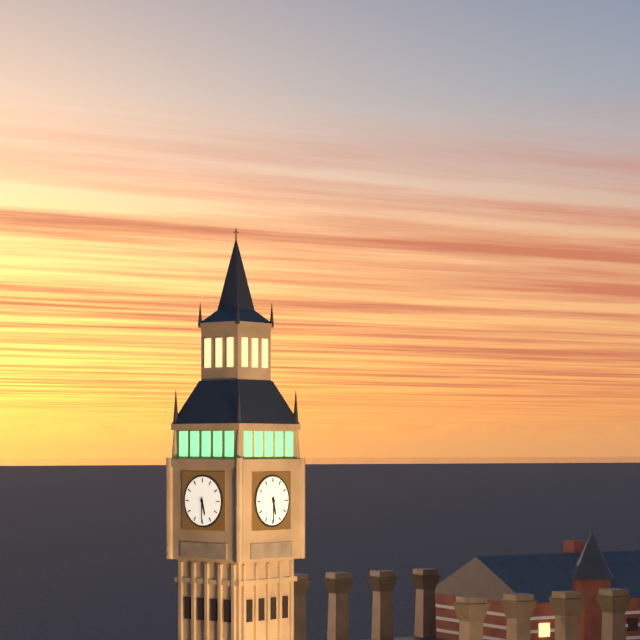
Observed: 5 h 30 min
